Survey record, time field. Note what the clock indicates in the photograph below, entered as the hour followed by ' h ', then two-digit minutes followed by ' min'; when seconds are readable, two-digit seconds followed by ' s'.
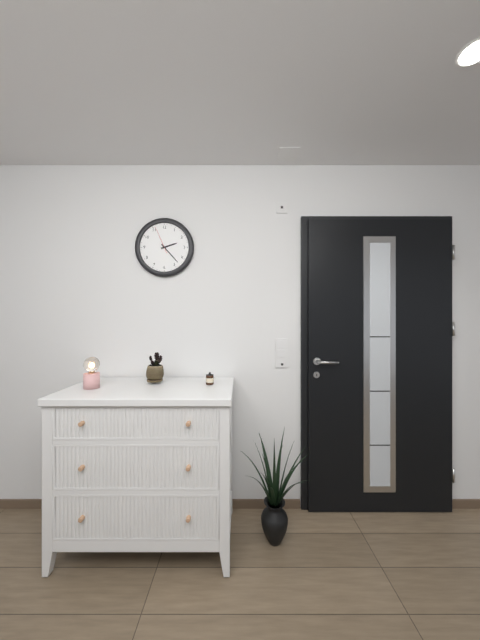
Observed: 2 h 23 min
